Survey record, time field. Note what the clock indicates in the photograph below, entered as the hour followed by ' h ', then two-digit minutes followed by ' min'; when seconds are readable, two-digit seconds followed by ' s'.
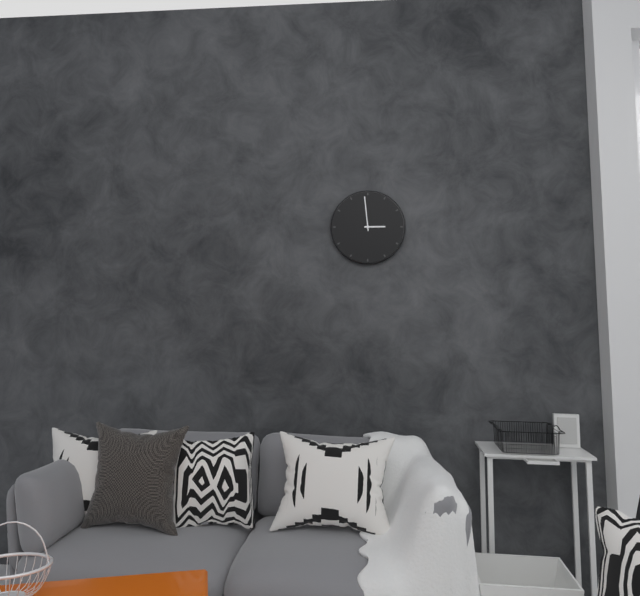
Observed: 2 h 59 min
